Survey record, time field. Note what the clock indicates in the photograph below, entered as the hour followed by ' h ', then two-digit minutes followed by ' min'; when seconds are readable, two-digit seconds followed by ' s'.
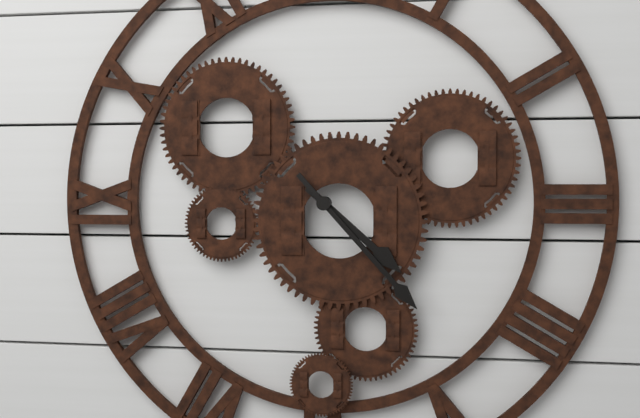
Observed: 4 h 23 min
